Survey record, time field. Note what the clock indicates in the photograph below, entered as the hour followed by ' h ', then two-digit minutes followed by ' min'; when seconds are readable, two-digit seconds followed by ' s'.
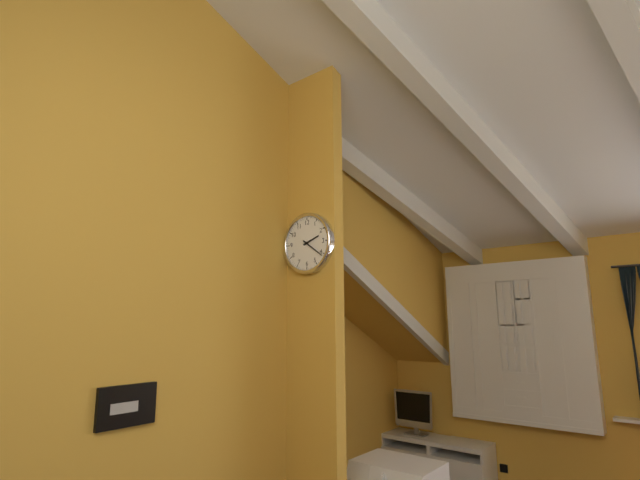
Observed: 2 h 21 min
